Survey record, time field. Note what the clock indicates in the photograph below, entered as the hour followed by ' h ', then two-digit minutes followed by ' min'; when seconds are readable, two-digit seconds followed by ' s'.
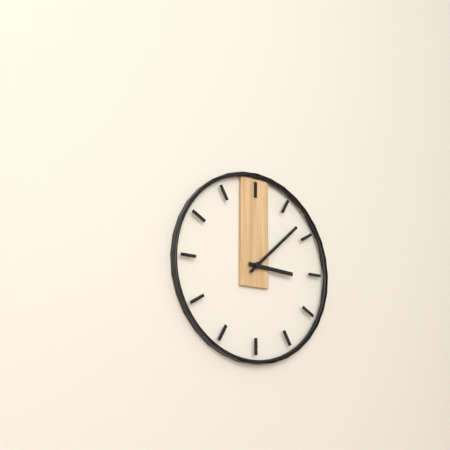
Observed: 3 h 08 min
